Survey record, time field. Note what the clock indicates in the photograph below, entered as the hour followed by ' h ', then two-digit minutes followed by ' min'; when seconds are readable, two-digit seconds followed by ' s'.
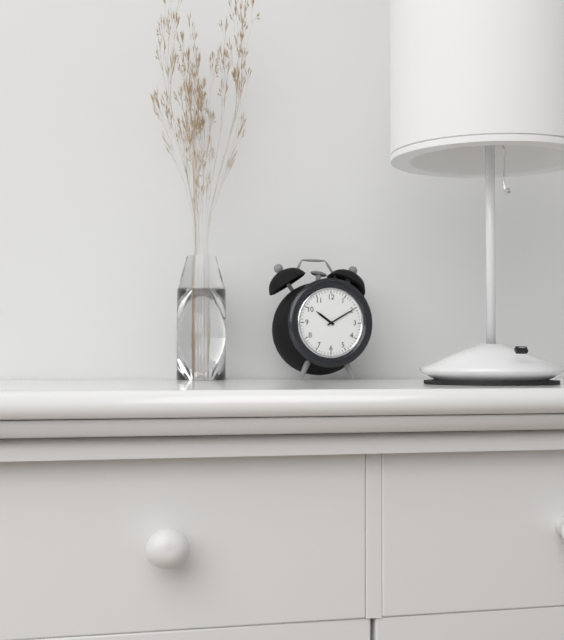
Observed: 10 h 10 min
